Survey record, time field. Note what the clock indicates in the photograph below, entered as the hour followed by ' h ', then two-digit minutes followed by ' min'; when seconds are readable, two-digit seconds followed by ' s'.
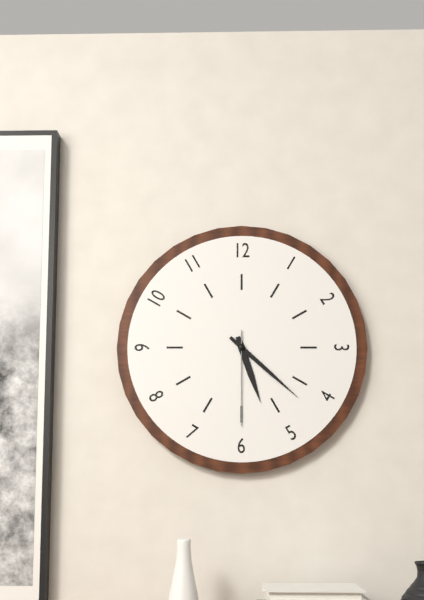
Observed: 5 h 22 min 30 s
